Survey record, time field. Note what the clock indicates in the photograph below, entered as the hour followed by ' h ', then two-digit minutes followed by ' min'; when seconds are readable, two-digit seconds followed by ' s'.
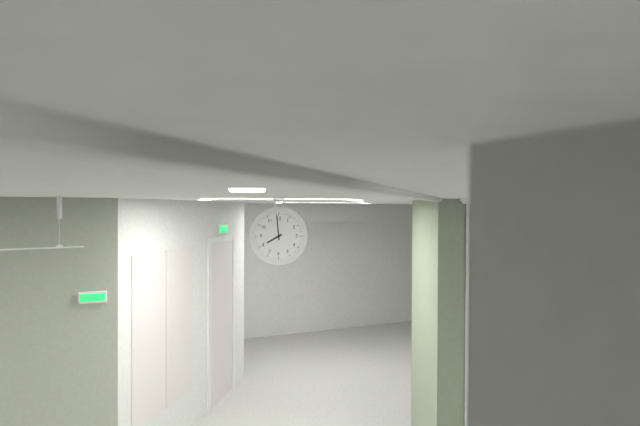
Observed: 7 h 59 min
